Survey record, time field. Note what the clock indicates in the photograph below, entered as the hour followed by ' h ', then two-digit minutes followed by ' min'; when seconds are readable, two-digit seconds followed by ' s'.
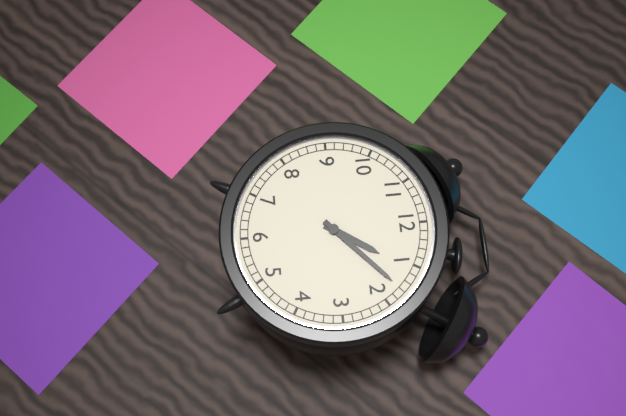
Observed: 1 h 08 min
